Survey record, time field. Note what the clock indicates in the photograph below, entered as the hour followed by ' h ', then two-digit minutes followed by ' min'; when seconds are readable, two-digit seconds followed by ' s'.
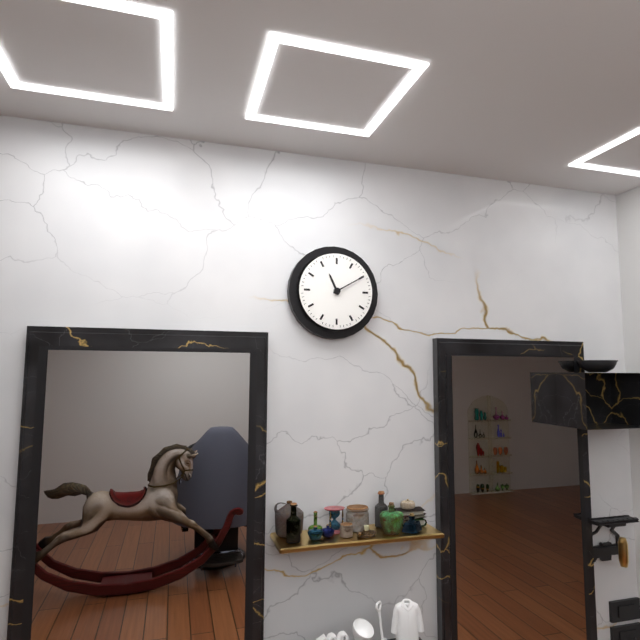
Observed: 11 h 10 min
